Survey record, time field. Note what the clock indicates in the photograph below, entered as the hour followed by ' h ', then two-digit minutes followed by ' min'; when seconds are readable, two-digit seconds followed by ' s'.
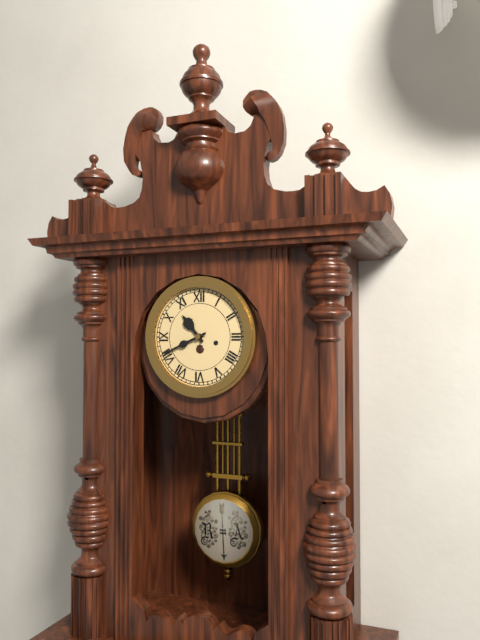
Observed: 10 h 41 min
